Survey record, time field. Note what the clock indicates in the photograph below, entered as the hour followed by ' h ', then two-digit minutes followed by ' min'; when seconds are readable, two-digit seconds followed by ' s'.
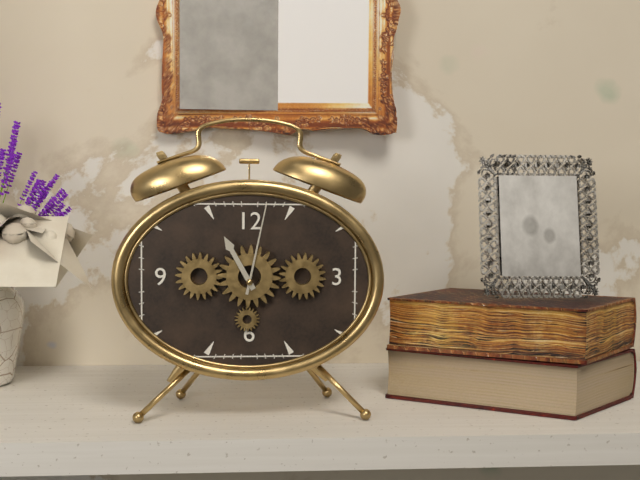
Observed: 11 h 02 min
